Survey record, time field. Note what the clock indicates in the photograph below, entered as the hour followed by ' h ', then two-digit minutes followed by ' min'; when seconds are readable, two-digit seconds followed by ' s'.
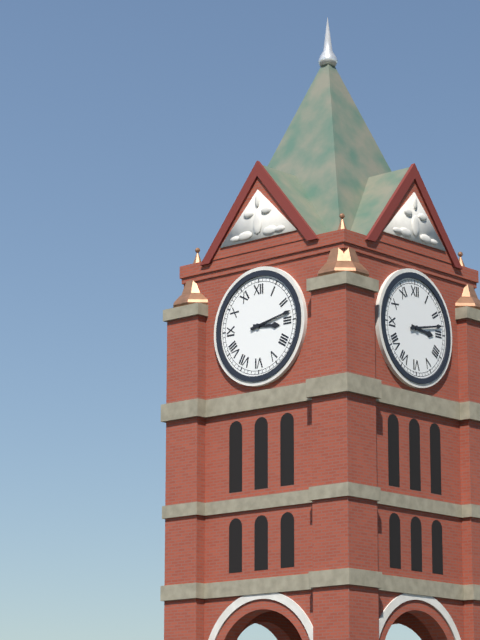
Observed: 3 h 13 min
